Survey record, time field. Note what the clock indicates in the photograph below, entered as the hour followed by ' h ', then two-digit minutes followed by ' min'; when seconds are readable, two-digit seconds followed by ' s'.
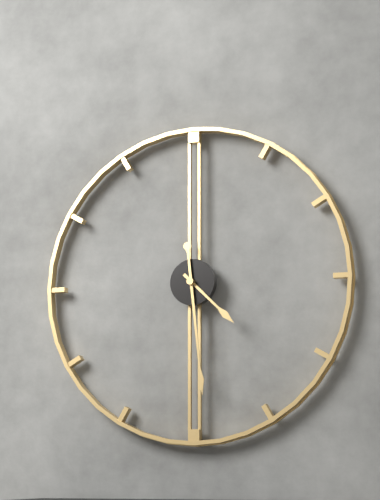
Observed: 4 h 29 min
